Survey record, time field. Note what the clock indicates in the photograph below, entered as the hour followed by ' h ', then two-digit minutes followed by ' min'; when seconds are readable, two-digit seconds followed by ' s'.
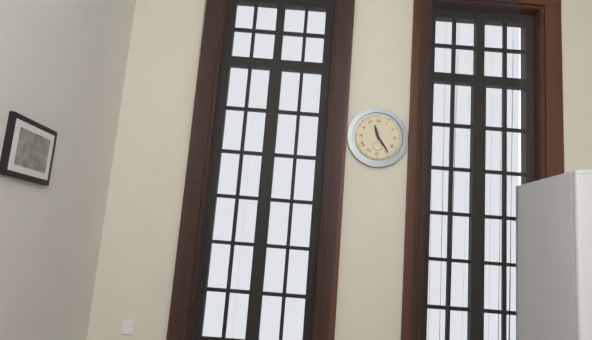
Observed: 11 h 24 min
